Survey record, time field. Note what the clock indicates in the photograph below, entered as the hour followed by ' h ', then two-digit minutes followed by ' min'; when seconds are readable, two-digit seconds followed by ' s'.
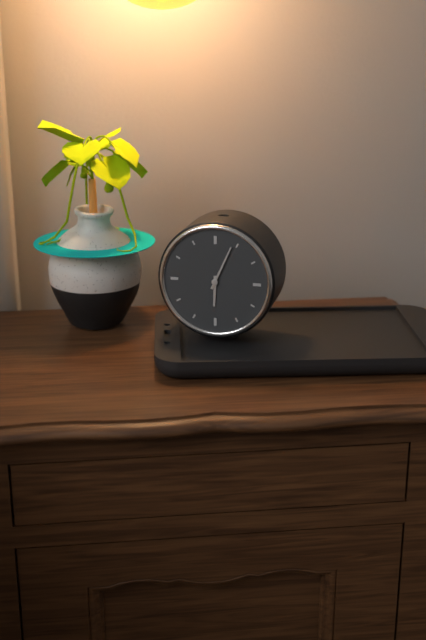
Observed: 6 h 04 min
